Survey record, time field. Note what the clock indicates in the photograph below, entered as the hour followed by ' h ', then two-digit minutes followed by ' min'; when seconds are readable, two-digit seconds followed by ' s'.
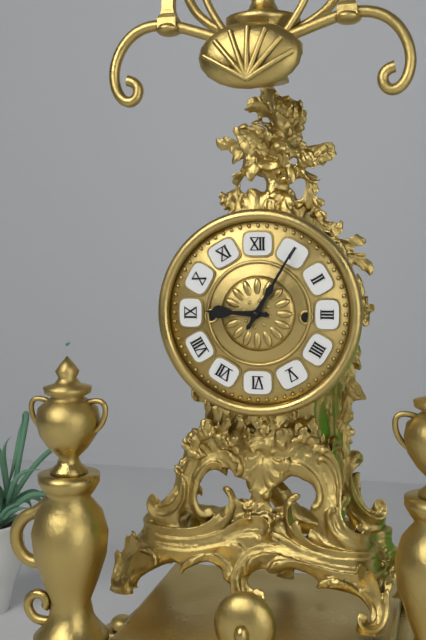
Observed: 9 h 05 min
